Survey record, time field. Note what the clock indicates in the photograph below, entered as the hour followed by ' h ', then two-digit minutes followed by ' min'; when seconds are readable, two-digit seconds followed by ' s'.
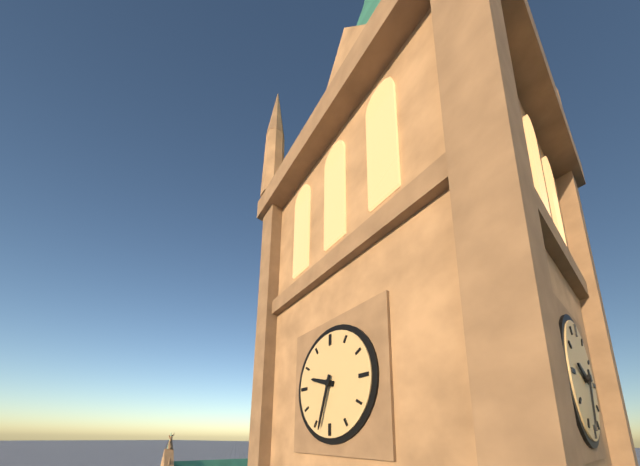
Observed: 9 h 33 min
